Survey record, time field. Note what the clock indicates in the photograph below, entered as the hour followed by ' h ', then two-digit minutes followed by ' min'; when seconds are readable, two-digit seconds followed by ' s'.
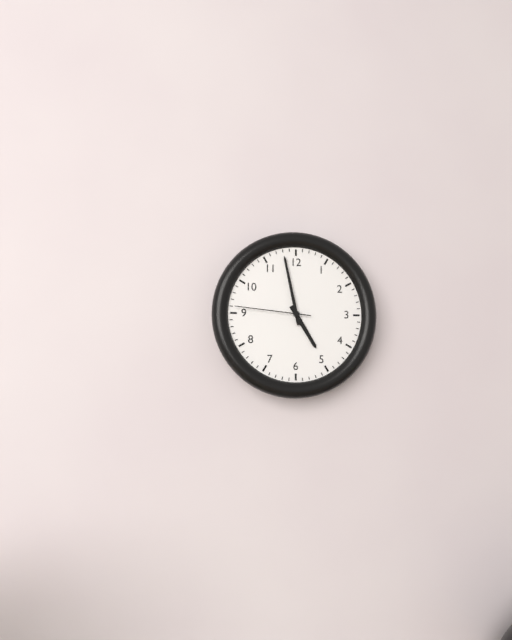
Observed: 4 h 58 min 46 s
